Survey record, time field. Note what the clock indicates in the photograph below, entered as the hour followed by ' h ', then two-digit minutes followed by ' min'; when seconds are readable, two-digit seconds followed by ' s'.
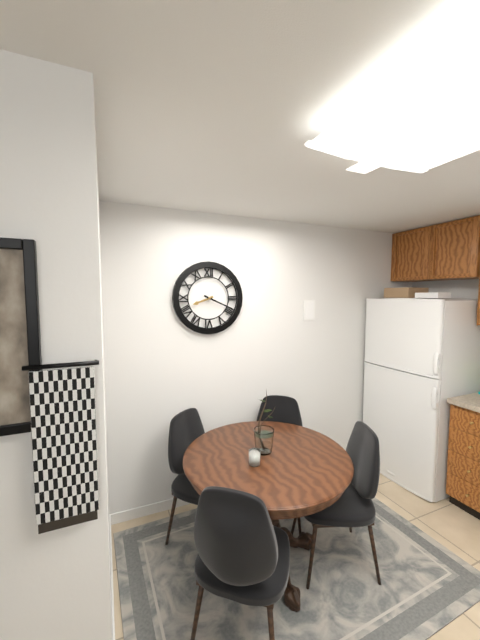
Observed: 8 h 19 min
